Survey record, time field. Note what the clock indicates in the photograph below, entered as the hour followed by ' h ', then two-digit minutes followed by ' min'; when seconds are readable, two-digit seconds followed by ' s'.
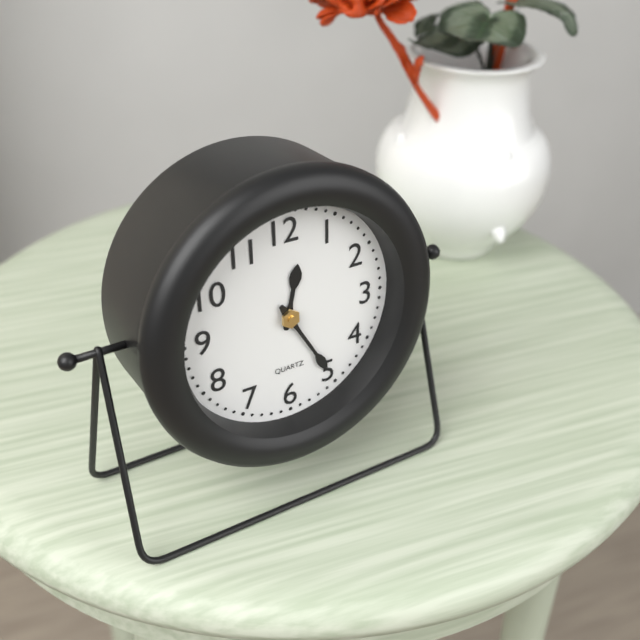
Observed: 12 h 25 min
